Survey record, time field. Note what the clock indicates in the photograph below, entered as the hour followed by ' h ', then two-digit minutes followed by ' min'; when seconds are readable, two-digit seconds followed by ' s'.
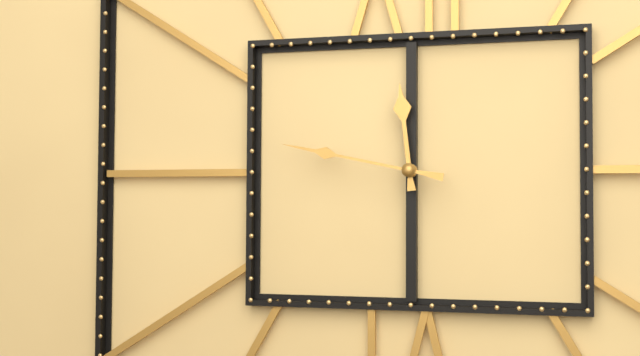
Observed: 11 h 47 min
